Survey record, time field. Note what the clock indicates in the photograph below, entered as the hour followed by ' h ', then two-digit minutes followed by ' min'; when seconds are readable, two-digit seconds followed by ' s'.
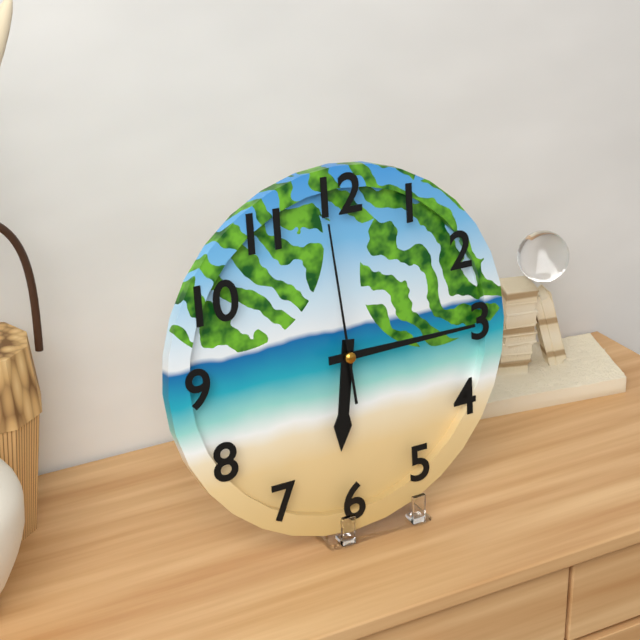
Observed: 6 h 15 min 59 s
